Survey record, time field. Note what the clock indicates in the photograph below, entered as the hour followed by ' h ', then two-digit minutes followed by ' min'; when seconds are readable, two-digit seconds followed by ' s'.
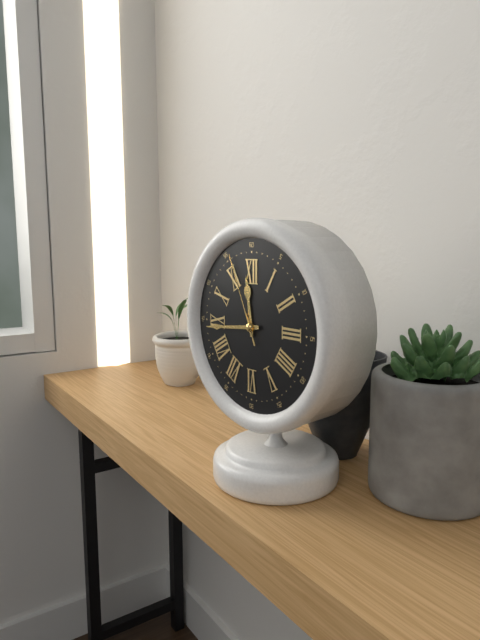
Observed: 11 h 44 min 56 s
